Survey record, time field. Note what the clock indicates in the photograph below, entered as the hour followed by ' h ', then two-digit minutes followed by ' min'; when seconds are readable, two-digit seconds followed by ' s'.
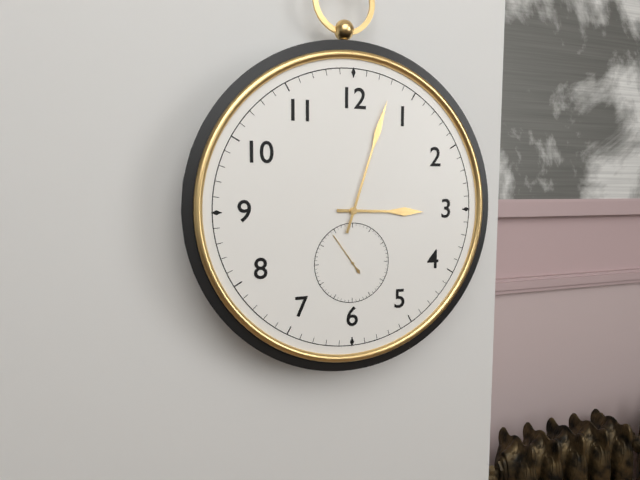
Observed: 3 h 03 min
